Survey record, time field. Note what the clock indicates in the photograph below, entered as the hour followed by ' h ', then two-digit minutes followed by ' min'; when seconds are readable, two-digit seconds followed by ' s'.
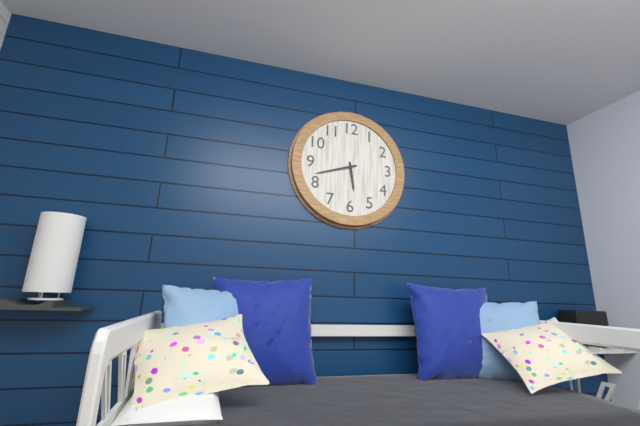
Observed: 5 h 42 min
